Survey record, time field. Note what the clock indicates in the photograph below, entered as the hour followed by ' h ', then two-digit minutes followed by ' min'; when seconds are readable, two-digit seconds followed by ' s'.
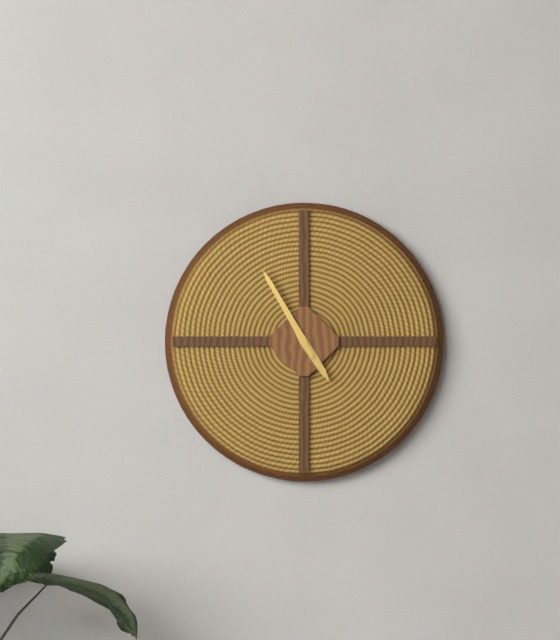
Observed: 4 h 55 min
